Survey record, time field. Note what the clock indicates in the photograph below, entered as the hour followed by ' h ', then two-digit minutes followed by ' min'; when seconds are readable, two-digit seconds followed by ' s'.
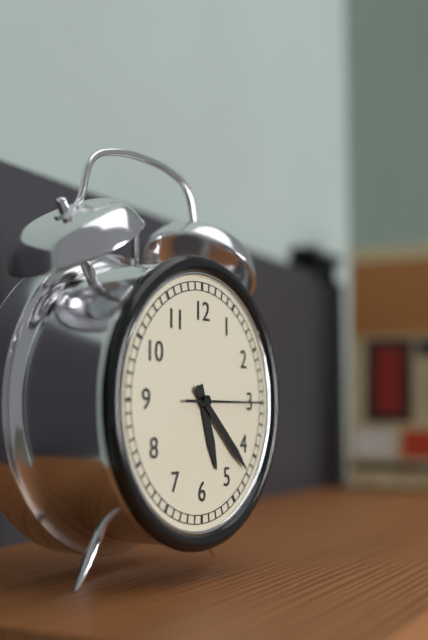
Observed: 5 h 22 min 15 s
